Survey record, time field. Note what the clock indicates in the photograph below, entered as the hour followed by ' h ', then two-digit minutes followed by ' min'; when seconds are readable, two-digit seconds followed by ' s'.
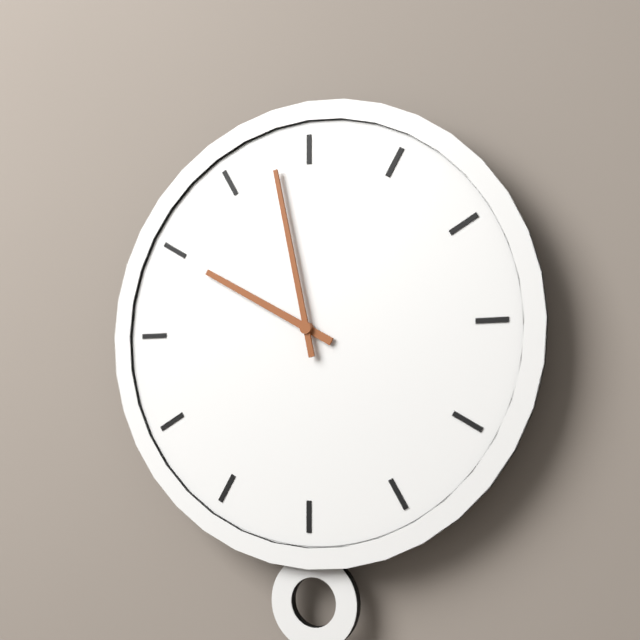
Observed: 9 h 58 min
